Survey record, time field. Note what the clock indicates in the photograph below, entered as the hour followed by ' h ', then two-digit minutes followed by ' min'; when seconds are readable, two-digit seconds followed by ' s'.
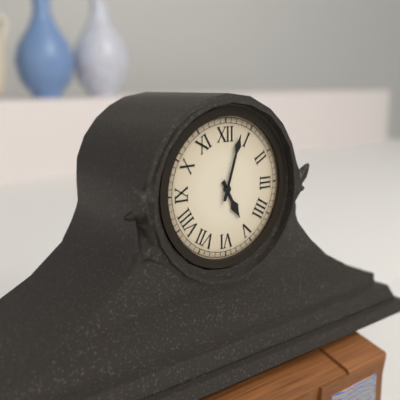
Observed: 5 h 03 min
